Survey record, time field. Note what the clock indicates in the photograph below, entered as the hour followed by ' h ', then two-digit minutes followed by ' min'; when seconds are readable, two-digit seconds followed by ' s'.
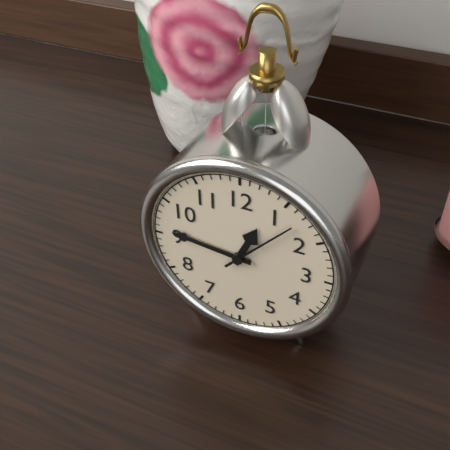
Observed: 12 h 46 min 07 s
